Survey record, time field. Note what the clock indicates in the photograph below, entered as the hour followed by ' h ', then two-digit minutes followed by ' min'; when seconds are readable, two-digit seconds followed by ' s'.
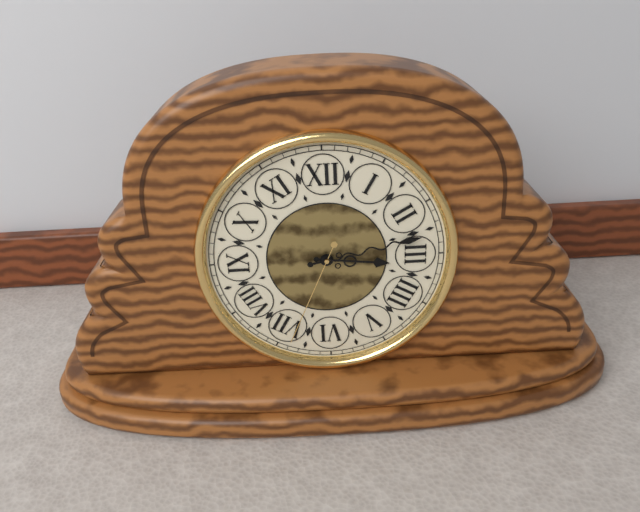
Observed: 3 h 13 min 34 s
